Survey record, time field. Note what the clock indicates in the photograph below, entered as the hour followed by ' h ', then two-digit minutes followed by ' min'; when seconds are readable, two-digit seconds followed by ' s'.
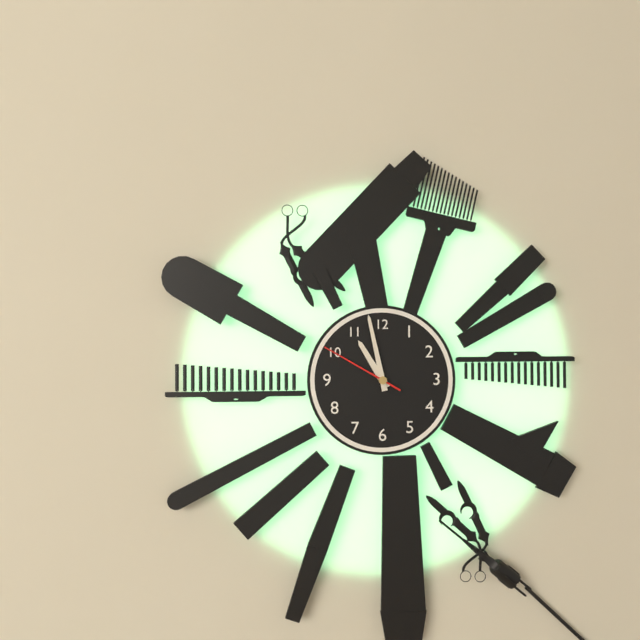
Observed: 10 h 58 min 50 s
